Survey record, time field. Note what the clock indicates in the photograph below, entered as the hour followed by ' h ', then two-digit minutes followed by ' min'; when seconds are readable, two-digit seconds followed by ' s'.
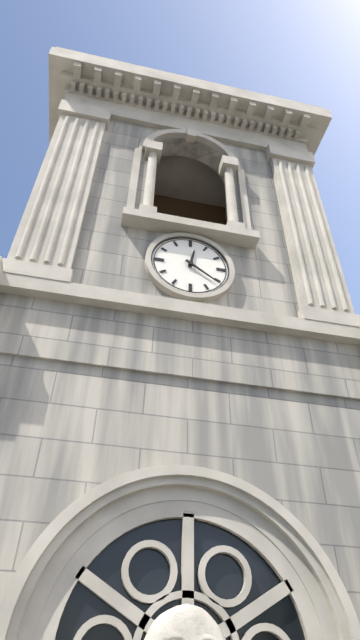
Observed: 12 h 21 min
